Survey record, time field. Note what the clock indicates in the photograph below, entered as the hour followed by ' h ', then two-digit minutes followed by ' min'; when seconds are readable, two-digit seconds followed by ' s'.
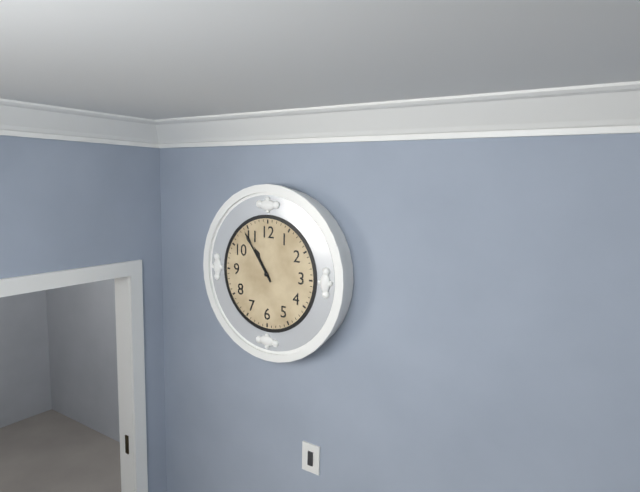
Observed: 10 h 54 min
